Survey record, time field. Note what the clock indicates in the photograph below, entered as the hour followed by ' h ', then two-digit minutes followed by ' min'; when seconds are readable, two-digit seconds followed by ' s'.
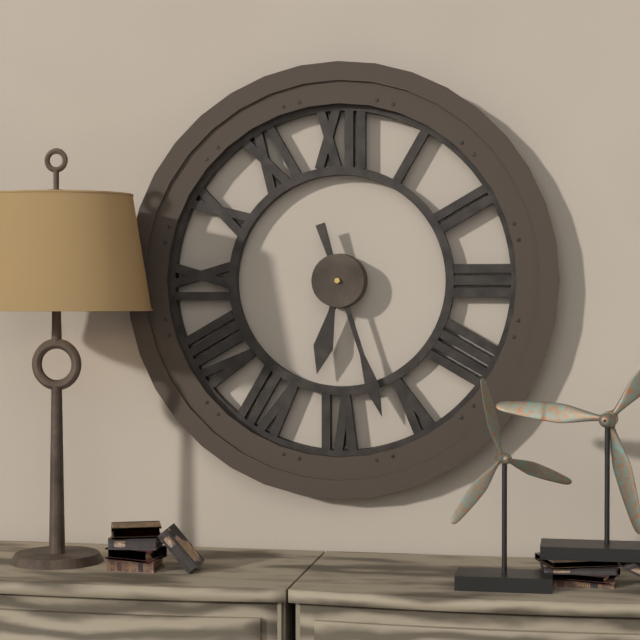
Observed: 6 h 27 min
